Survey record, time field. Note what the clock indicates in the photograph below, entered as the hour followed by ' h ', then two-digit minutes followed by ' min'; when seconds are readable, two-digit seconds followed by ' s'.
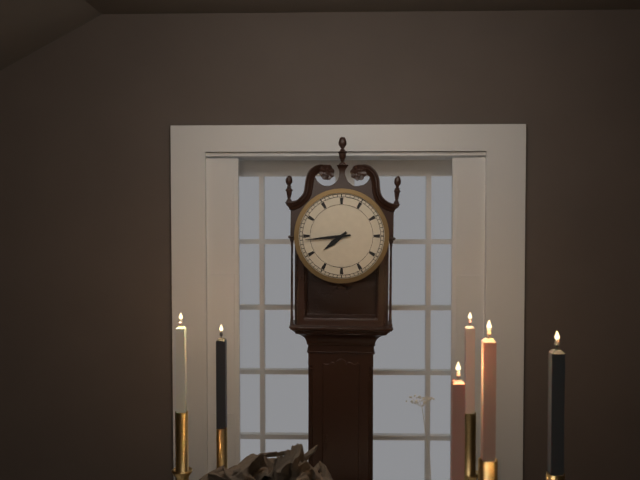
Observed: 7 h 44 min
